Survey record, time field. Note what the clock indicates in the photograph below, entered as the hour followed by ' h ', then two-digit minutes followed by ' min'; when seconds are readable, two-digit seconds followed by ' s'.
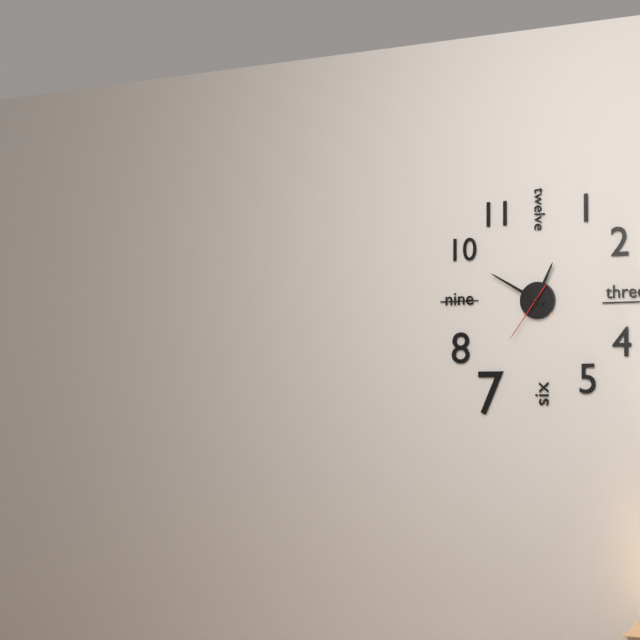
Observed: 12 h 50 min 36 s
